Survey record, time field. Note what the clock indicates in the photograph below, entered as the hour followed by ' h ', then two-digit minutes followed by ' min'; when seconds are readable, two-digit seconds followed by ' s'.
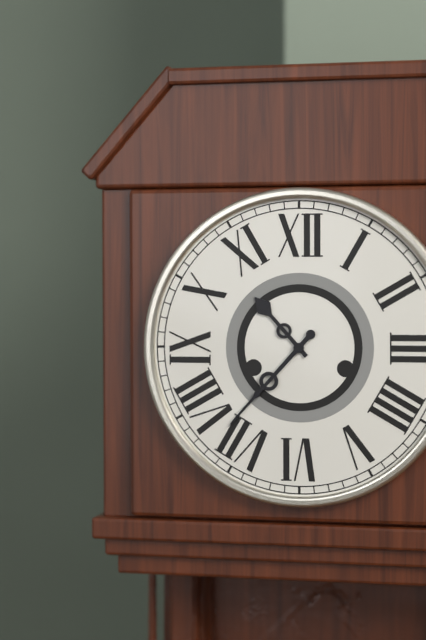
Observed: 10 h 37 min
